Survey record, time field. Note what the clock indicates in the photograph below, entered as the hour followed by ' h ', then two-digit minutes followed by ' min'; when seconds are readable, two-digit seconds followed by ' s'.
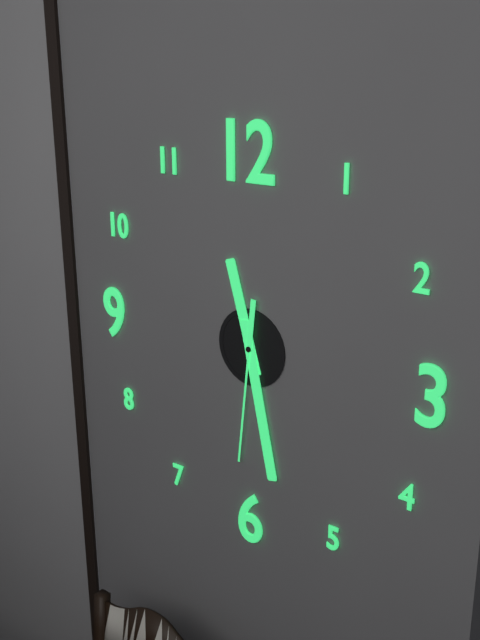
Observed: 11 h 28 min 31 s
